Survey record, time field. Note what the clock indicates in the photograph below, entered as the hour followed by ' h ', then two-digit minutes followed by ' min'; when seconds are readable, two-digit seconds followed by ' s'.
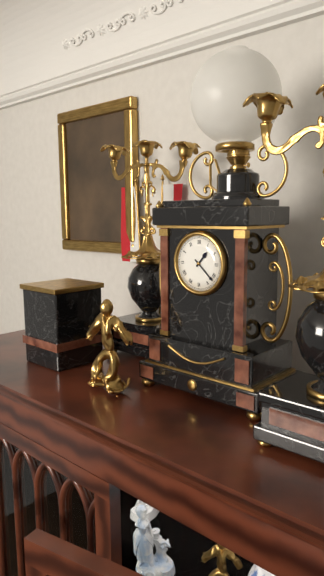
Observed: 1 h 22 min
